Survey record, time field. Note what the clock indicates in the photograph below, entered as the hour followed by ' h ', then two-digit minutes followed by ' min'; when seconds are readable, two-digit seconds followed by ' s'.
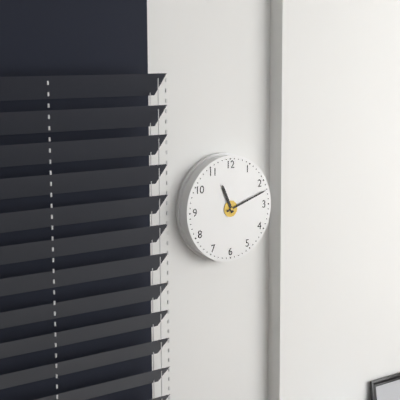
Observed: 11 h 12 min
